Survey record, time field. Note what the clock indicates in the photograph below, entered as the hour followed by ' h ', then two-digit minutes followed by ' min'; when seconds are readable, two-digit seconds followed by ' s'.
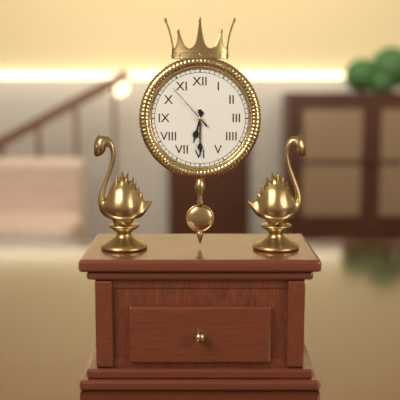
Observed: 6 h 30 min 53 s
